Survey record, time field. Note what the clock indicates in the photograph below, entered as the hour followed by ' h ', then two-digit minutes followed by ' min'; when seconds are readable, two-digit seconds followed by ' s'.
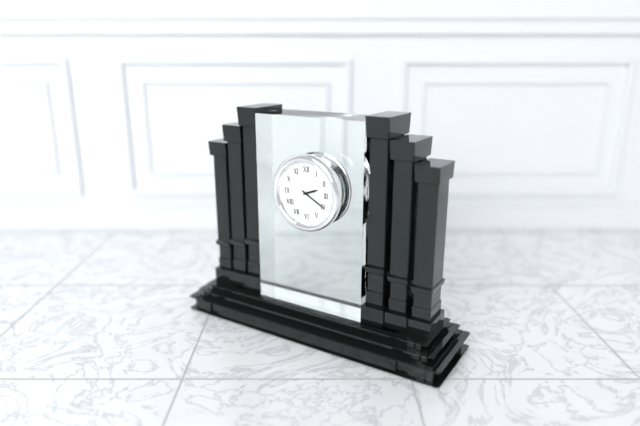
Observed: 2 h 20 min
